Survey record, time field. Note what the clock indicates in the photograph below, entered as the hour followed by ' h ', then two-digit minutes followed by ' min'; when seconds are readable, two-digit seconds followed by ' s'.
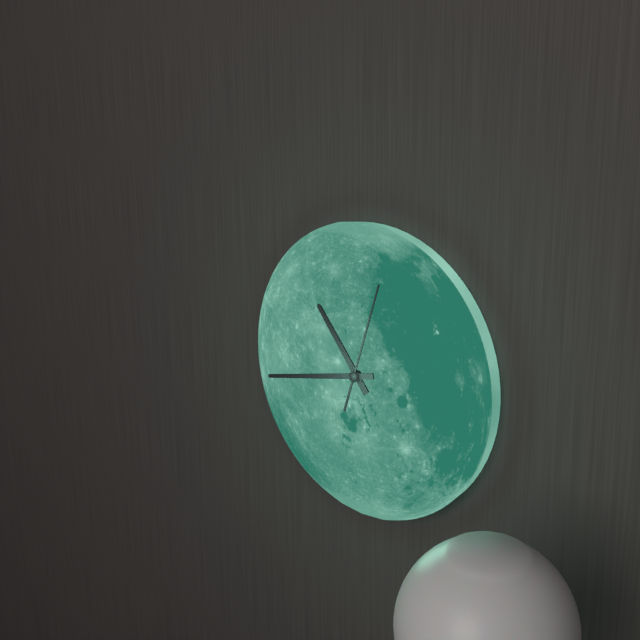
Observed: 10 h 43 min 03 s
